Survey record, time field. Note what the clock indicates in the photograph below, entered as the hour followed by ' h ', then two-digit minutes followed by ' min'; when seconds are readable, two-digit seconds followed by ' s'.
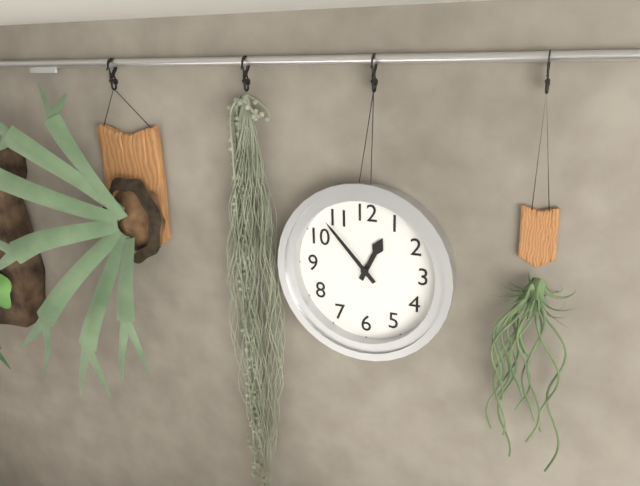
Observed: 12 h 53 min
